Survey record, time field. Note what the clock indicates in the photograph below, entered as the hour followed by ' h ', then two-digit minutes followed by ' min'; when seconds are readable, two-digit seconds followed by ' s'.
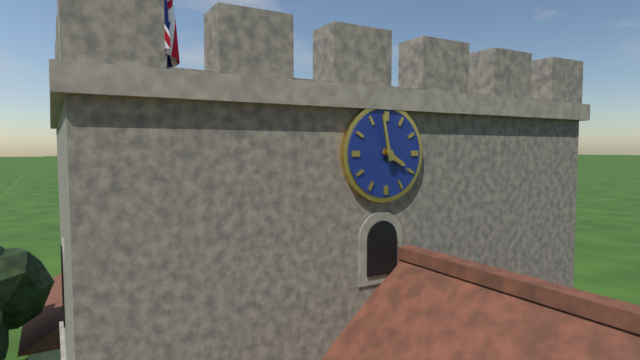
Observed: 3 h 58 min
